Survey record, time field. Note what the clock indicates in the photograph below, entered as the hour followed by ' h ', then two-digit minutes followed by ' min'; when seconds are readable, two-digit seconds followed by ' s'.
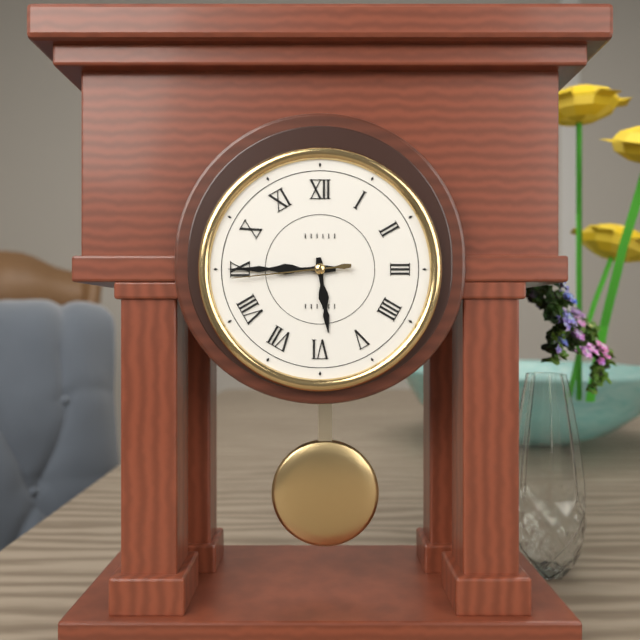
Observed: 5 h 45 min 44 s
